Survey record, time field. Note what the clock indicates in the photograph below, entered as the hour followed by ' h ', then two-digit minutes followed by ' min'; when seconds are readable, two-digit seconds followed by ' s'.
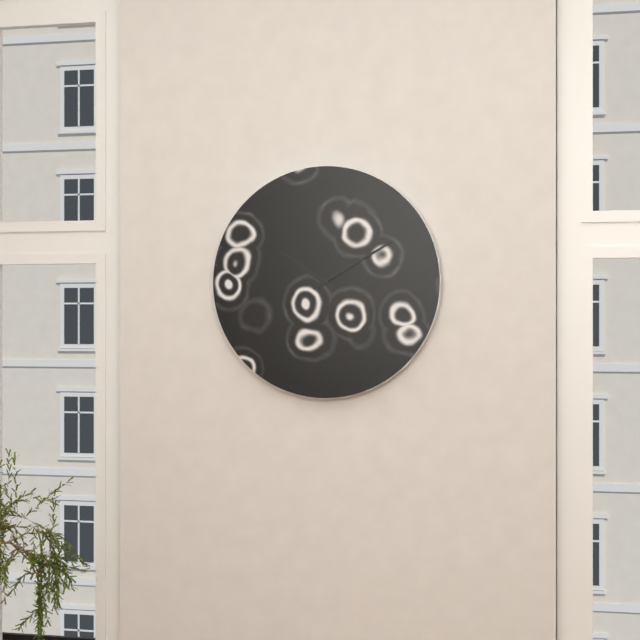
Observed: 10 h 10 min
